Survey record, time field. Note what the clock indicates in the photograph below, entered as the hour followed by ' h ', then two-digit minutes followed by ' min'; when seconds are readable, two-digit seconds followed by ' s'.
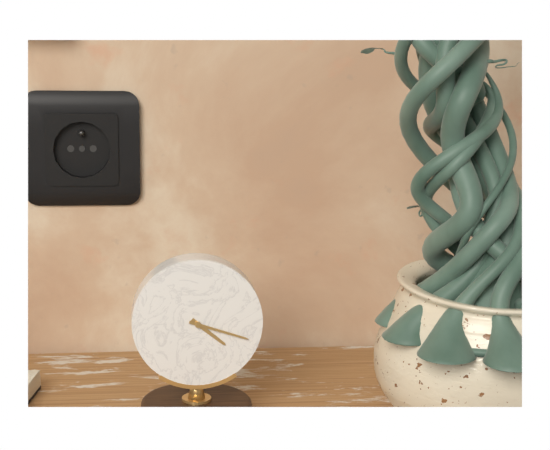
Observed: 4 h 18 min
